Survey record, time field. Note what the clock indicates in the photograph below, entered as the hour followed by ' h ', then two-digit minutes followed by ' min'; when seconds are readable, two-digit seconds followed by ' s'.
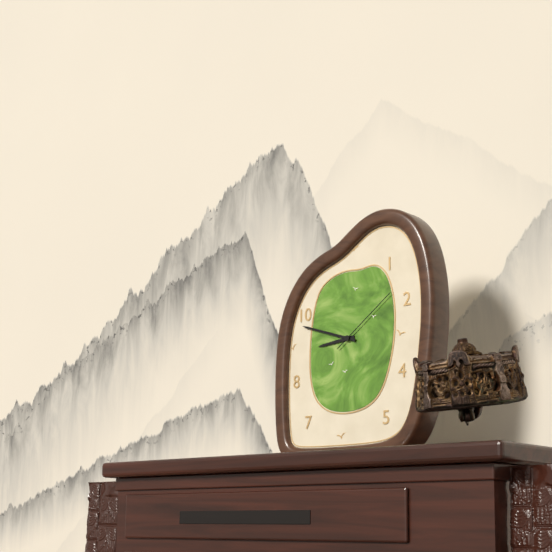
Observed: 8 h 48 min 09 s
